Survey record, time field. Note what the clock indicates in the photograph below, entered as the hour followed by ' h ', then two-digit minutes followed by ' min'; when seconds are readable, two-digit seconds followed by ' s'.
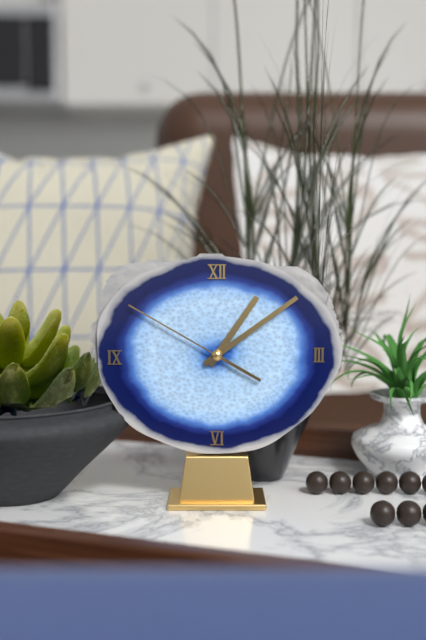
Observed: 1 h 09 min 50 s
